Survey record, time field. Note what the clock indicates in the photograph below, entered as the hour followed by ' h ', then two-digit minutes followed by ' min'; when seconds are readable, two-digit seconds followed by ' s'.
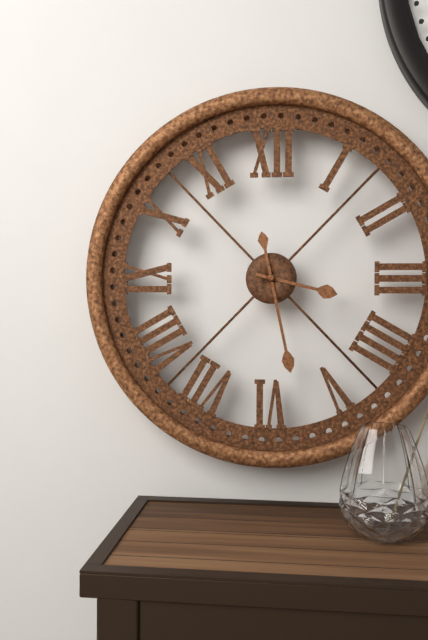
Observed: 3 h 28 min
